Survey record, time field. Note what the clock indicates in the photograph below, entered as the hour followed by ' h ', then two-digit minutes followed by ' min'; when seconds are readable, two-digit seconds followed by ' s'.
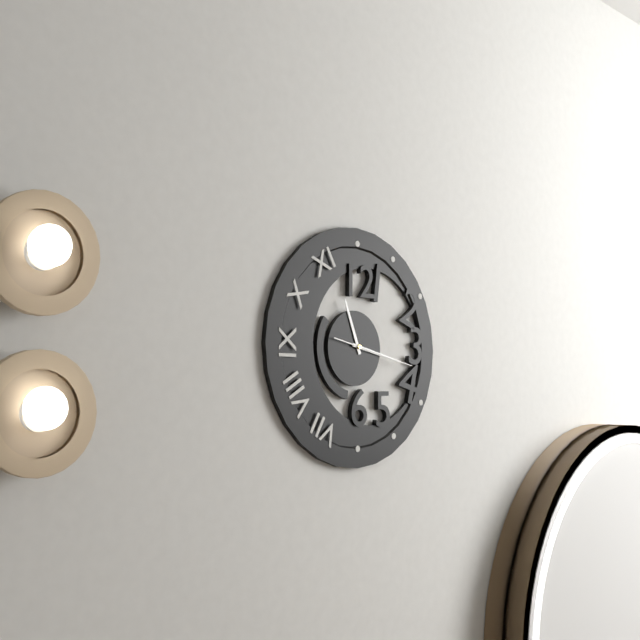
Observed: 11 h 17 min 17 s
